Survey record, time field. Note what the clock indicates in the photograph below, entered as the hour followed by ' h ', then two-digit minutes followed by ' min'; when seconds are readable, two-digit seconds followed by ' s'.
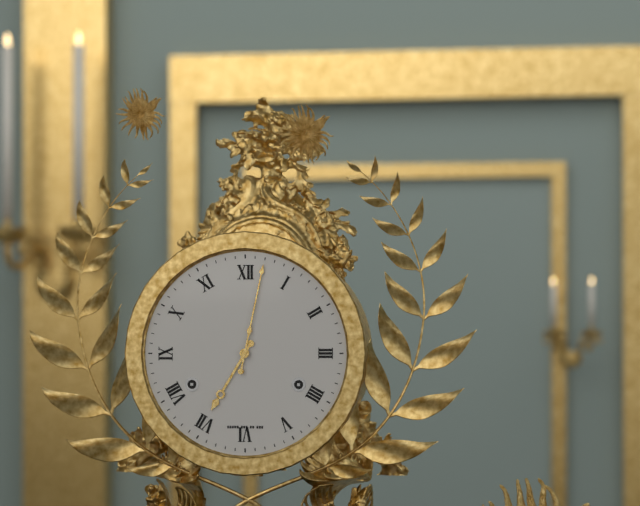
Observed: 7 h 02 min
